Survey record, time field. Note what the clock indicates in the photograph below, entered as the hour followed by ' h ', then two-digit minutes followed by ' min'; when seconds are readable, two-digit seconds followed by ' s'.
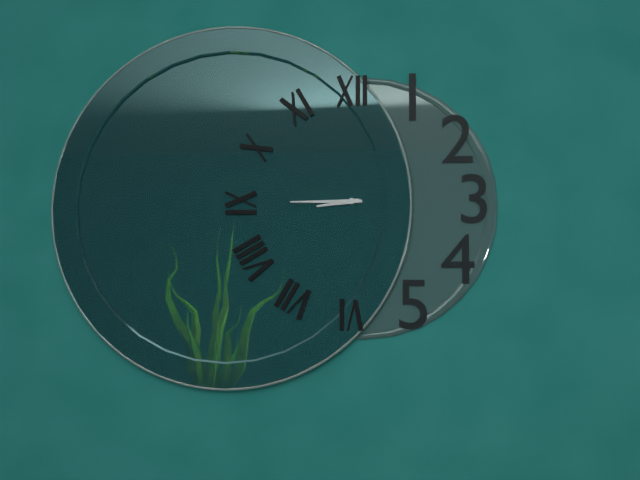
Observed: 8 h 45 min
